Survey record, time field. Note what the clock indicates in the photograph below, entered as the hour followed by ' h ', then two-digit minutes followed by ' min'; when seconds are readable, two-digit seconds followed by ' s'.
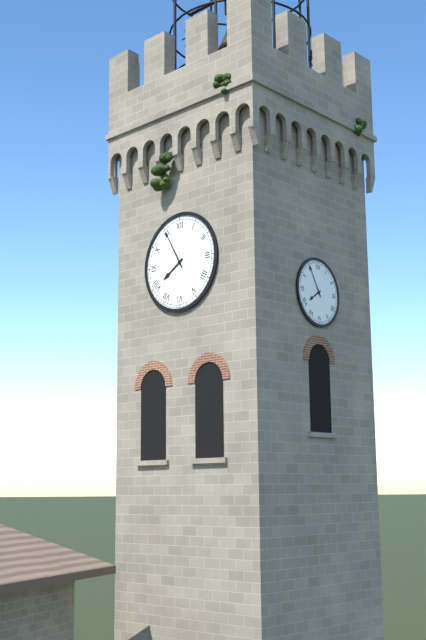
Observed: 7 h 55 min
